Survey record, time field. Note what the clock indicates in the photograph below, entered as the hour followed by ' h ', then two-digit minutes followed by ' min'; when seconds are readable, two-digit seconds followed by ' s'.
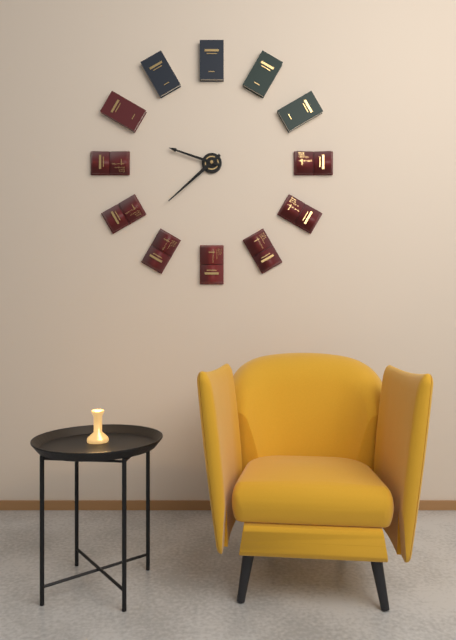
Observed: 9 h 38 min
